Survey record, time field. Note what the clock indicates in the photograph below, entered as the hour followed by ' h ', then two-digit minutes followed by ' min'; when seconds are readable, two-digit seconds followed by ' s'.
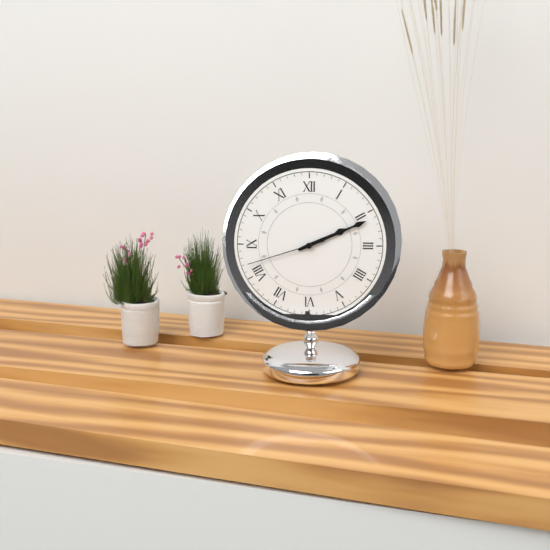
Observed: 2 h 11 min 42 s
